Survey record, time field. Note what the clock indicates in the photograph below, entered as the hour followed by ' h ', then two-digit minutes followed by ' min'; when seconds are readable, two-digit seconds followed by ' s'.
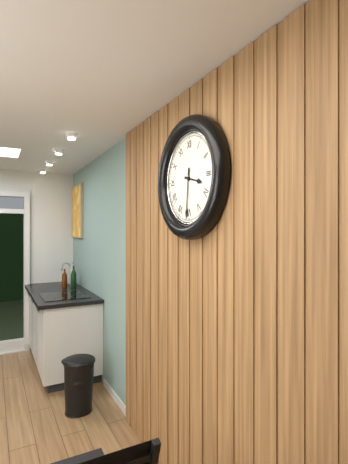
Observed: 3 h 31 min
